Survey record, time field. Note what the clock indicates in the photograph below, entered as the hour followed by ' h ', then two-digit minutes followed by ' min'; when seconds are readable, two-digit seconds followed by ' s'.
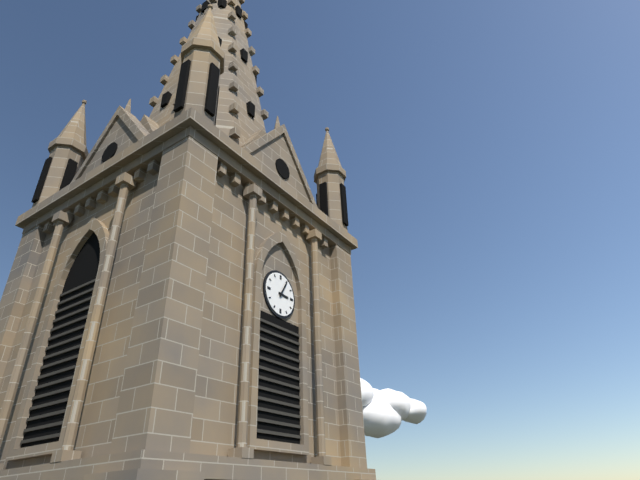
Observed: 3 h 05 min
